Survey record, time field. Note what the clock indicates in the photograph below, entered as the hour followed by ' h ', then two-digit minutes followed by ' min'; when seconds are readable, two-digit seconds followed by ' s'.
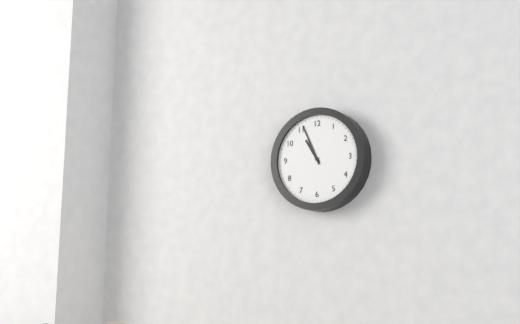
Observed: 10 h 56 min
